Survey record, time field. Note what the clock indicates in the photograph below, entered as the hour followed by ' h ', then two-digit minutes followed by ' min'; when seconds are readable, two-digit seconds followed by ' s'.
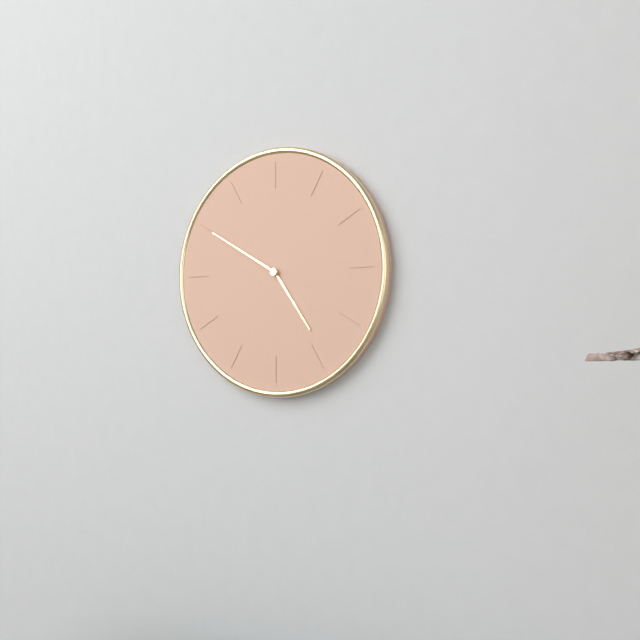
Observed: 4 h 50 min
